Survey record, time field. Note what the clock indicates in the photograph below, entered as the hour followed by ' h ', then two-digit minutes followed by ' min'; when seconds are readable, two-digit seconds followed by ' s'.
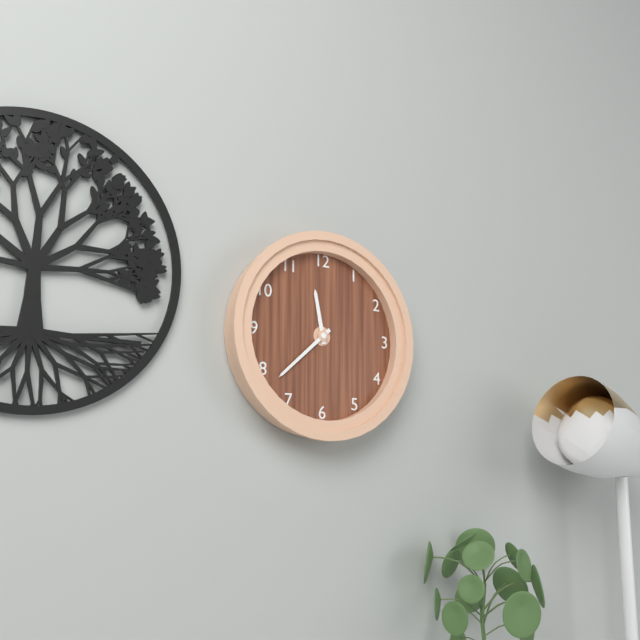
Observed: 11 h 38 min
